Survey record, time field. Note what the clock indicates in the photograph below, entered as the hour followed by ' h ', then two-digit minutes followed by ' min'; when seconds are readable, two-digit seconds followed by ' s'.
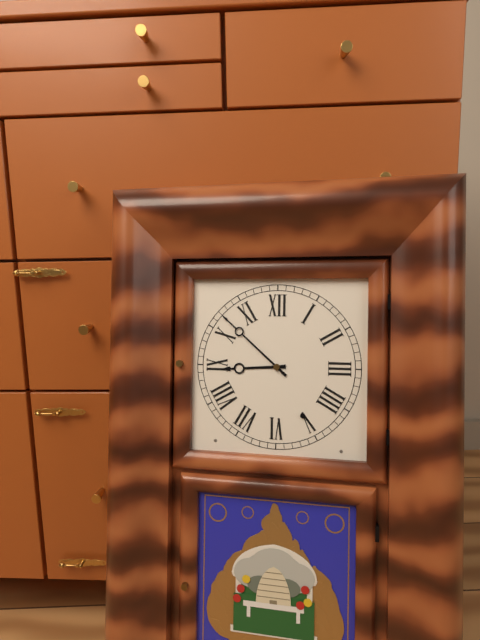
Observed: 8 h 52 min
